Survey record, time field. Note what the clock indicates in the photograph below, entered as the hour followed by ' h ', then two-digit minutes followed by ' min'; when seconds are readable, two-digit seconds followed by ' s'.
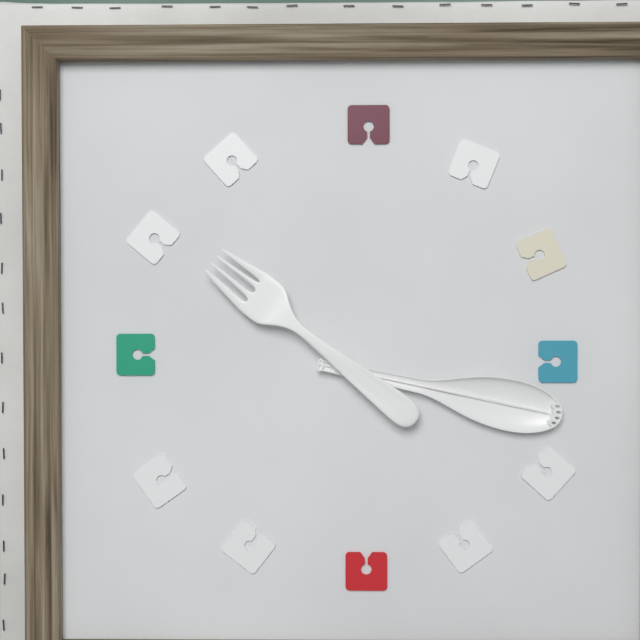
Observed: 10 h 17 min
